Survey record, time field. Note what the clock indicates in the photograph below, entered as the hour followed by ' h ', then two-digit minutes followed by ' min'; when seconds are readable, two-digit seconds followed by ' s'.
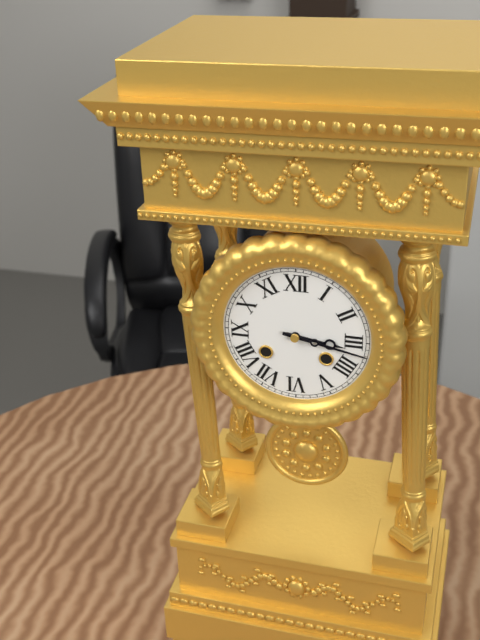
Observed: 3 h 17 min
